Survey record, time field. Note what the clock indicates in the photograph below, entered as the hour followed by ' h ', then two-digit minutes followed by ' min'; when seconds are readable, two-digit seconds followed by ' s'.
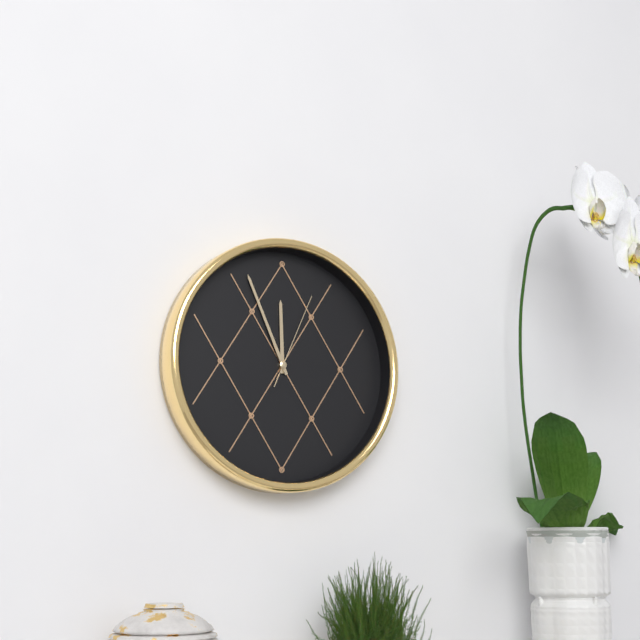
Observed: 11 h 56 min 04 s
